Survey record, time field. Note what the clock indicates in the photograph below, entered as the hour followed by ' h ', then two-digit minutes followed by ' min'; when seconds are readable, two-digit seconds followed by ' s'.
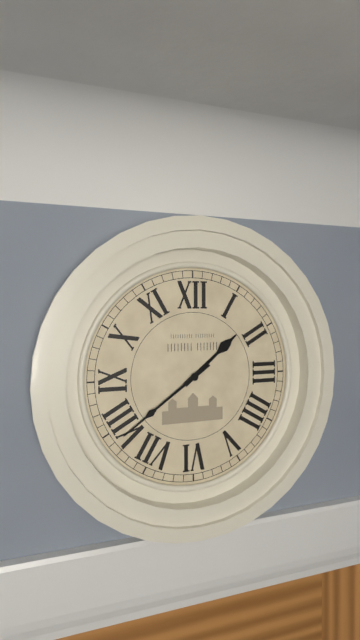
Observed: 1 h 39 min
